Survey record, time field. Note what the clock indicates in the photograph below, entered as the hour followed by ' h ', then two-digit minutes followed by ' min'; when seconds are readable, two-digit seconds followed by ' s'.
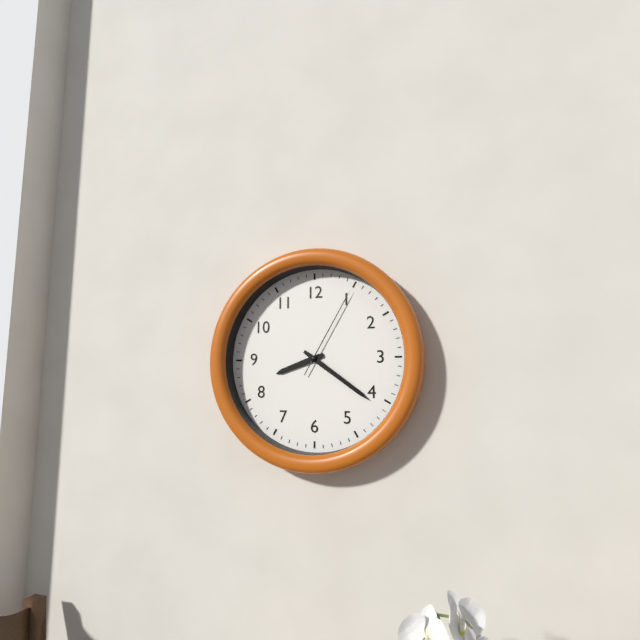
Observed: 8 h 21 min 05 s
